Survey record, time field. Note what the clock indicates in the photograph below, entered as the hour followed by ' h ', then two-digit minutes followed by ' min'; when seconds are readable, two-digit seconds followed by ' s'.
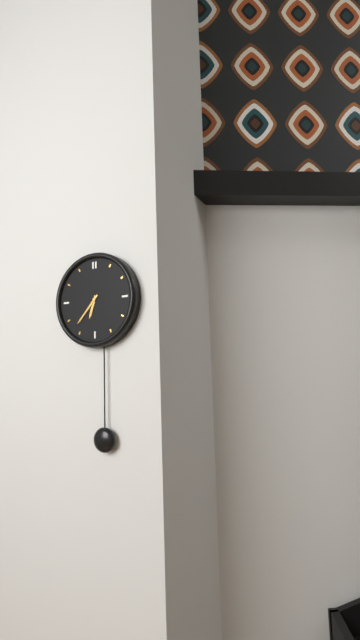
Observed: 6 h 37 min
